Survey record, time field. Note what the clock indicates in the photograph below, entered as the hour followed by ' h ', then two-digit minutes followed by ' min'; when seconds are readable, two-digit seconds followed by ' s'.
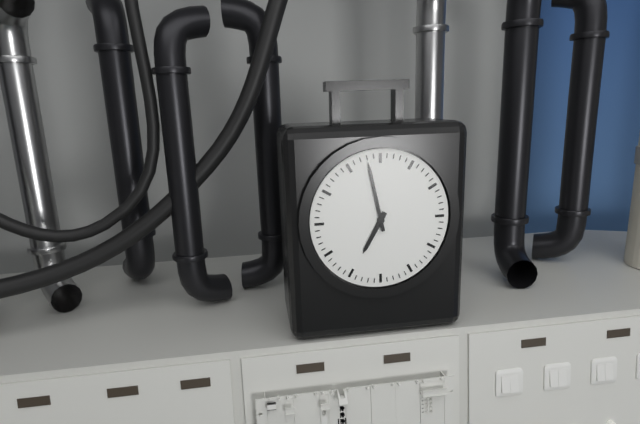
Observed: 6 h 58 min
